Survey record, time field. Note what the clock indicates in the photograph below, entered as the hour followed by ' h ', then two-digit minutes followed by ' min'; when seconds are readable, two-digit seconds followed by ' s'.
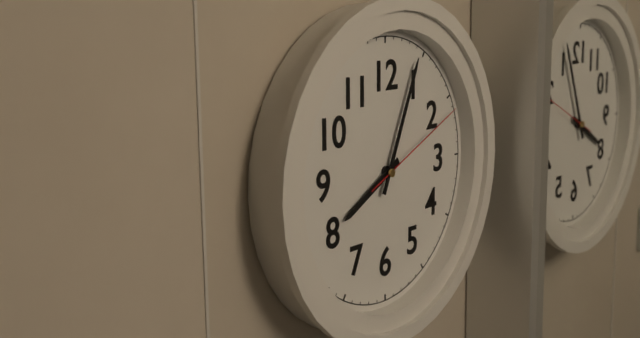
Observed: 8 h 04 min 11 s
